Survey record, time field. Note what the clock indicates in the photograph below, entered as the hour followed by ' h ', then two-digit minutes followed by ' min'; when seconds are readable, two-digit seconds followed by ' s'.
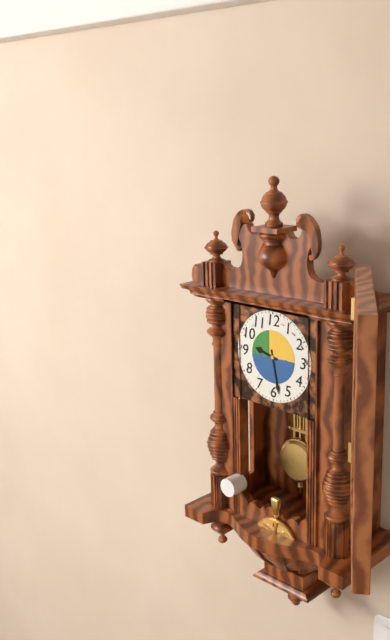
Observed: 9 h 28 min
